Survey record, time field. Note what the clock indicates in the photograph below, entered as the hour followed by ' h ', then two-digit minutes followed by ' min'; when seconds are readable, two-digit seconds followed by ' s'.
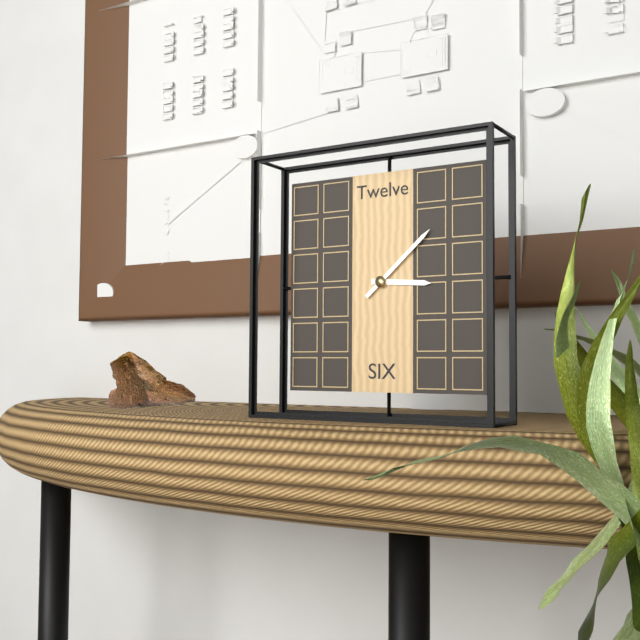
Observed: 3 h 08 min
